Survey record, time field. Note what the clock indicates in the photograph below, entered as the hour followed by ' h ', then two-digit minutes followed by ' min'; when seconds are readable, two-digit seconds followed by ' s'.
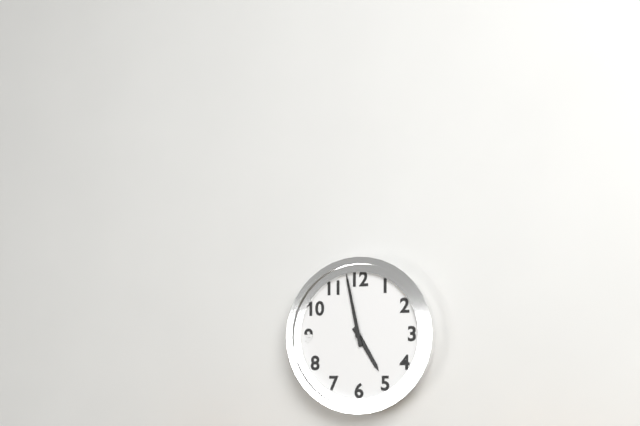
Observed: 4 h 58 min
